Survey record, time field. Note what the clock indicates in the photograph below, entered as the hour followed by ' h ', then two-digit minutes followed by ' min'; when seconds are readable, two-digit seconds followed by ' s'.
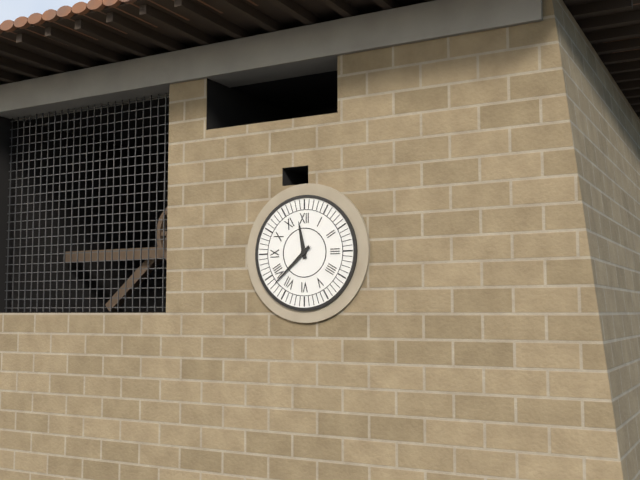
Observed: 11 h 38 min
